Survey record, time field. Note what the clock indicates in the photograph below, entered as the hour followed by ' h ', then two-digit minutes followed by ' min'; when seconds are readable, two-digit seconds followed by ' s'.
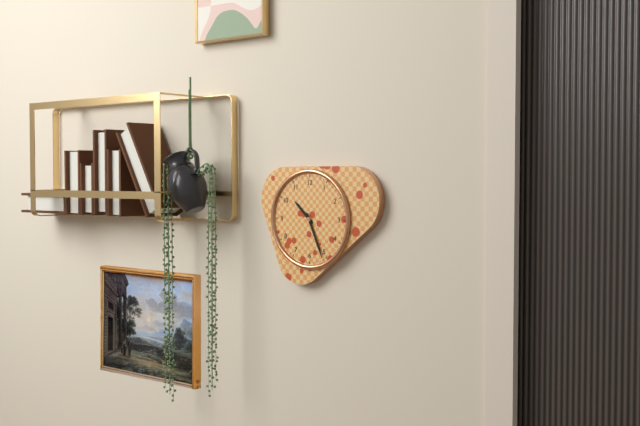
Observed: 10 h 26 min
